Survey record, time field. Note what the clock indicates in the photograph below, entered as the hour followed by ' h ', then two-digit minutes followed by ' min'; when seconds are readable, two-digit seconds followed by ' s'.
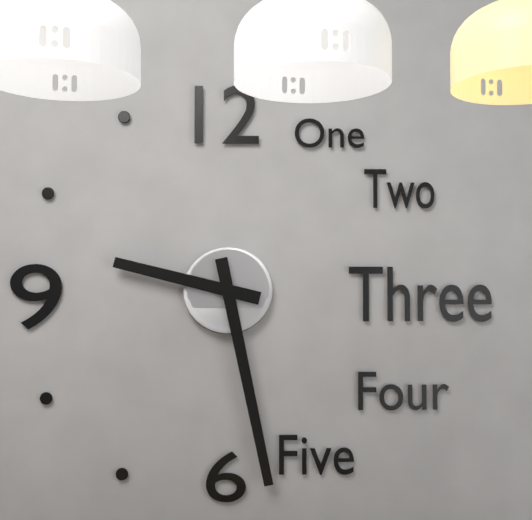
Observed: 9 h 28 min
